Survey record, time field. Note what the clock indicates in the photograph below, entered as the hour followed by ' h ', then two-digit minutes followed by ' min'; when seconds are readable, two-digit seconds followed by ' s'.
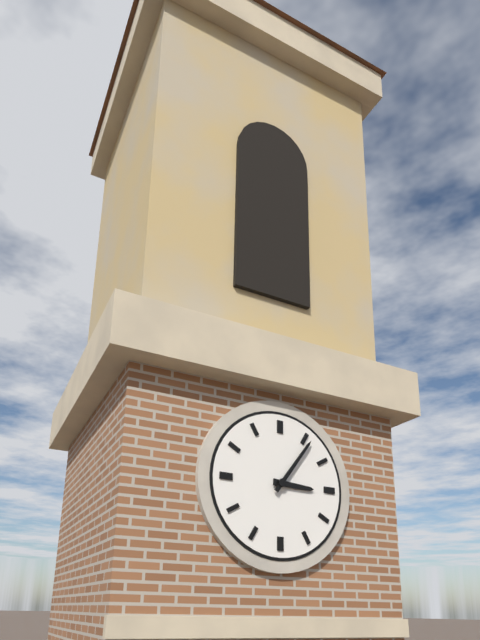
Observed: 3 h 06 min
